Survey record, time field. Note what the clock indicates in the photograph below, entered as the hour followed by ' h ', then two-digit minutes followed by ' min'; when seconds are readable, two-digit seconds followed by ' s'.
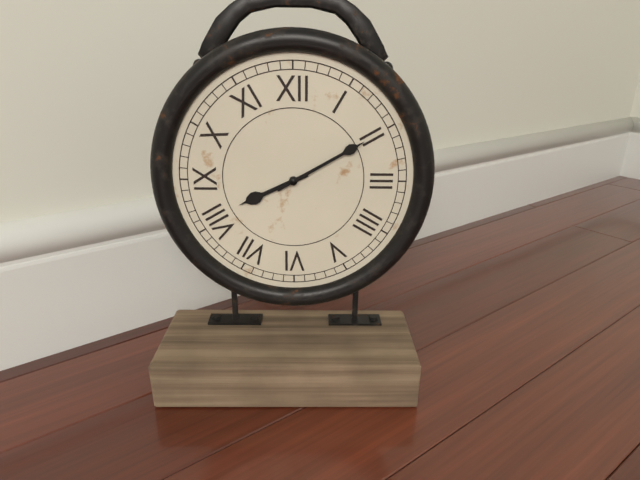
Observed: 8 h 10 min
